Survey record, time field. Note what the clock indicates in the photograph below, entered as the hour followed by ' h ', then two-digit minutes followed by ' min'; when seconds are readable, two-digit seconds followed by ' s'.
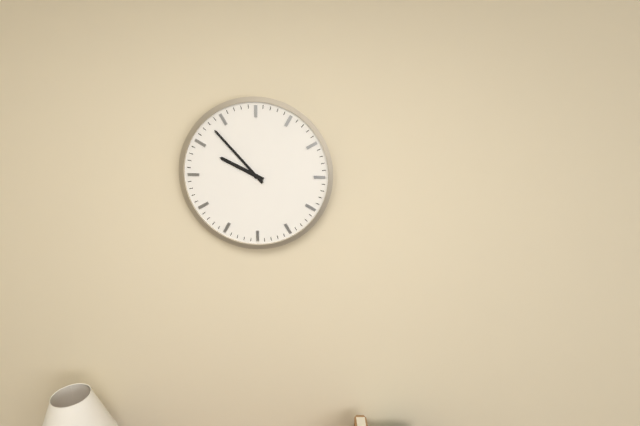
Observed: 9 h 53 min
